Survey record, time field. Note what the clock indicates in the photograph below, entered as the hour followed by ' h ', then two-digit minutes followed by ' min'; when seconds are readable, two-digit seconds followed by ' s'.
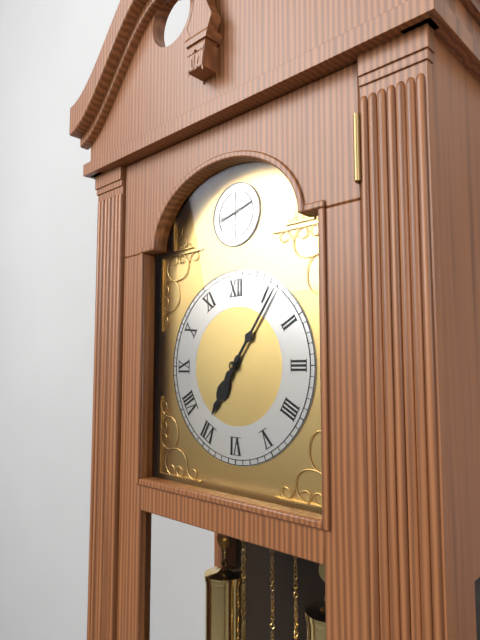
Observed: 7 h 06 min
